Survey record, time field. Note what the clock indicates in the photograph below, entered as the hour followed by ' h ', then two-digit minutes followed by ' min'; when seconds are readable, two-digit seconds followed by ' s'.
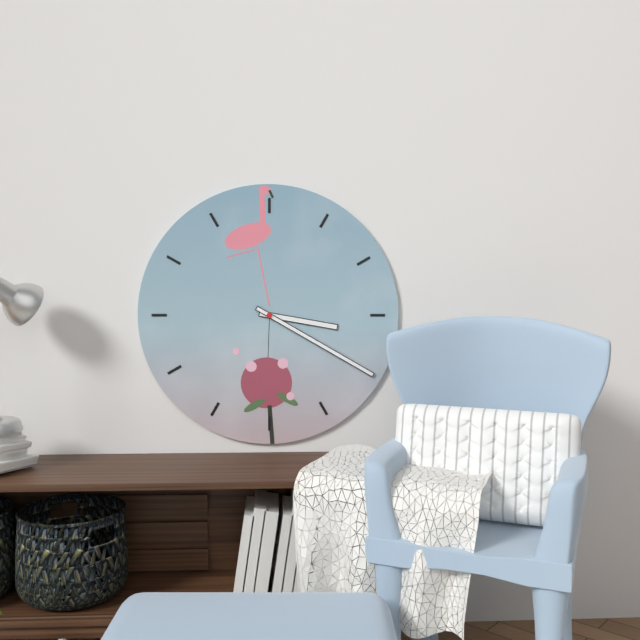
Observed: 3 h 20 min
